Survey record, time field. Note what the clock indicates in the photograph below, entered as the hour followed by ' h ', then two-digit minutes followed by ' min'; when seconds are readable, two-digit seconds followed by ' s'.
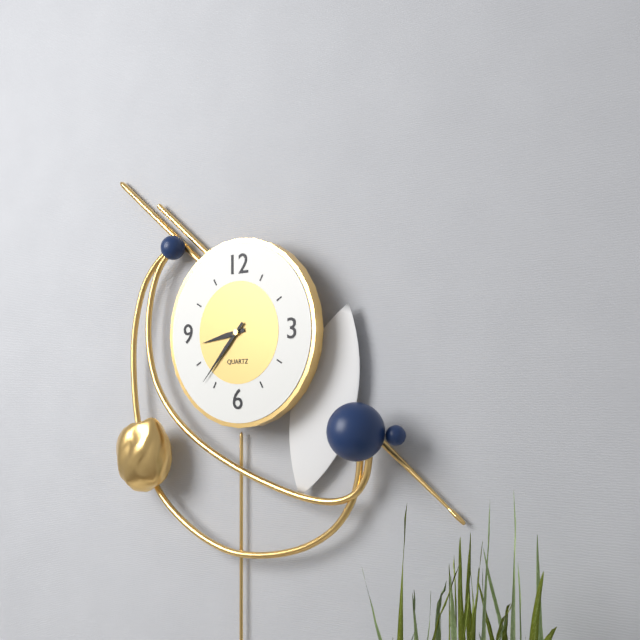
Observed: 8 h 37 min
